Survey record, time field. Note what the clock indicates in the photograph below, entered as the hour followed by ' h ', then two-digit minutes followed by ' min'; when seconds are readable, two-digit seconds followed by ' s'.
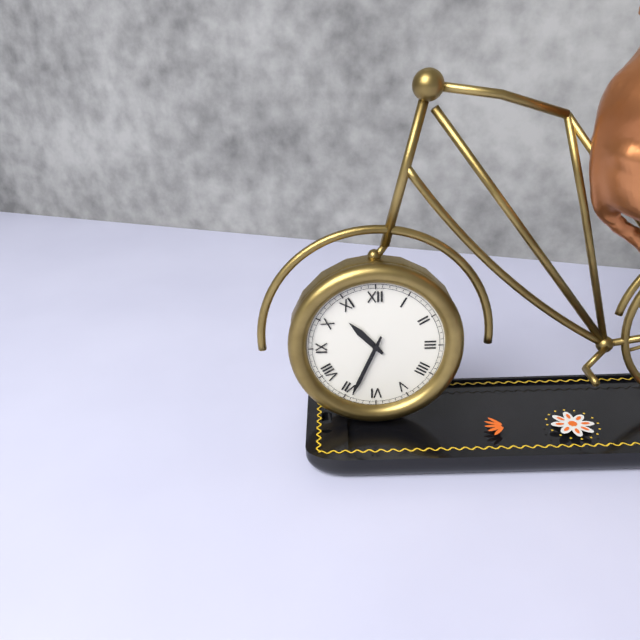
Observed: 10 h 34 min
